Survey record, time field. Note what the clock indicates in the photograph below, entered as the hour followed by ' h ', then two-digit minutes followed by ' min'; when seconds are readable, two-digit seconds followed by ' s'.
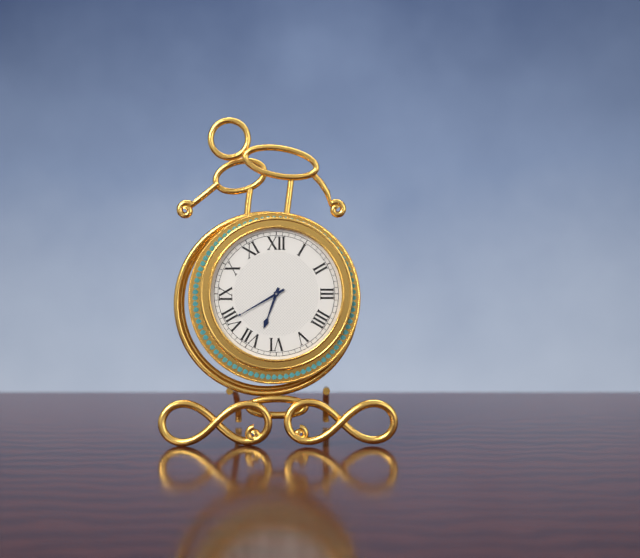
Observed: 6 h 40 min
